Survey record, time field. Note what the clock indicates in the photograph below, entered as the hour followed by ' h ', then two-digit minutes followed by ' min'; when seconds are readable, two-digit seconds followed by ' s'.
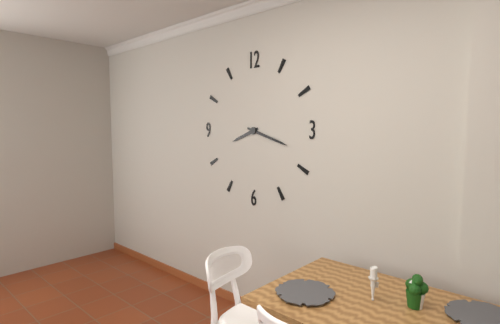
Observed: 8 h 18 min
